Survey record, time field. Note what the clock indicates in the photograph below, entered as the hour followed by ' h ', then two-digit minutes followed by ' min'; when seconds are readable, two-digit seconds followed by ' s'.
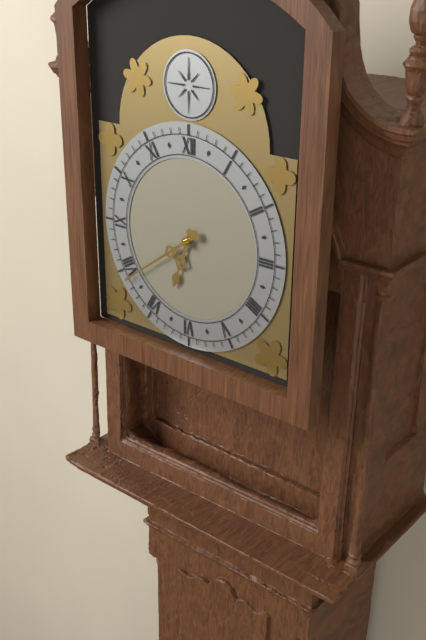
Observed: 6 h 39 min
